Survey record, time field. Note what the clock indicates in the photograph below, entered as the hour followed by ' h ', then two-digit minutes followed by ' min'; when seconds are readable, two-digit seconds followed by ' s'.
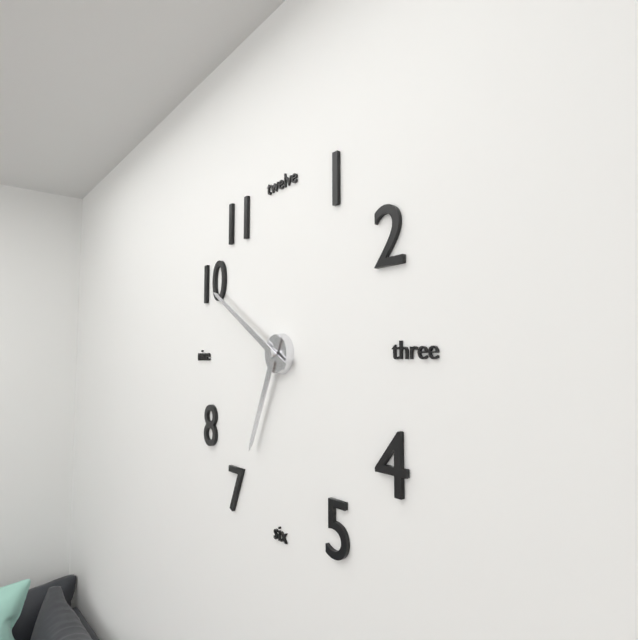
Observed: 6 h 50 min
